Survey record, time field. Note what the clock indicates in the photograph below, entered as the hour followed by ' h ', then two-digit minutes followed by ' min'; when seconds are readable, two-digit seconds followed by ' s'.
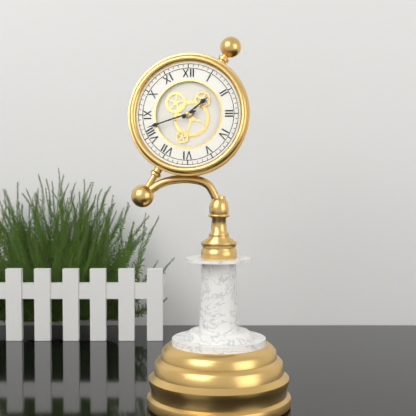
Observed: 1 h 42 min
